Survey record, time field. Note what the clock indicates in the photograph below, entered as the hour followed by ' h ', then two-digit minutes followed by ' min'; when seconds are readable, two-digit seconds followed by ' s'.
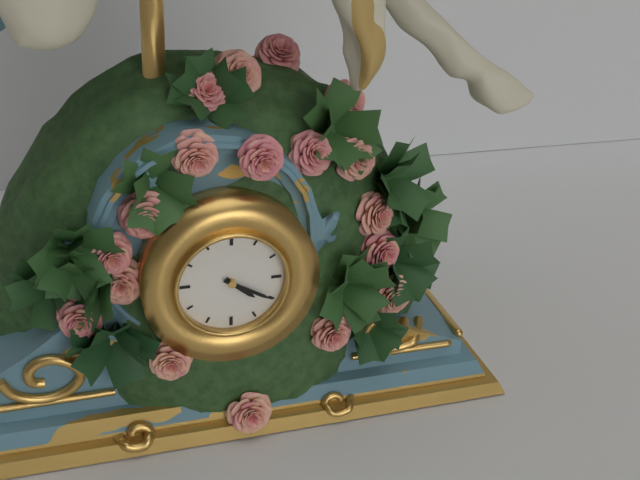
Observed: 4 h 20 min
